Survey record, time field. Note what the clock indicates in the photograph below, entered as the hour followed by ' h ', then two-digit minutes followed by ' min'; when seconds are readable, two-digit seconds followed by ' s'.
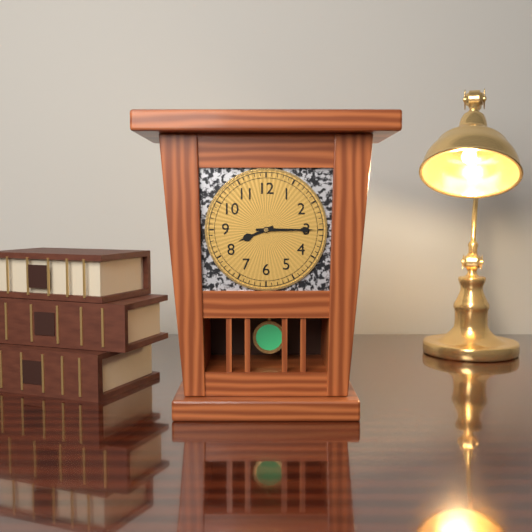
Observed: 8 h 15 min
